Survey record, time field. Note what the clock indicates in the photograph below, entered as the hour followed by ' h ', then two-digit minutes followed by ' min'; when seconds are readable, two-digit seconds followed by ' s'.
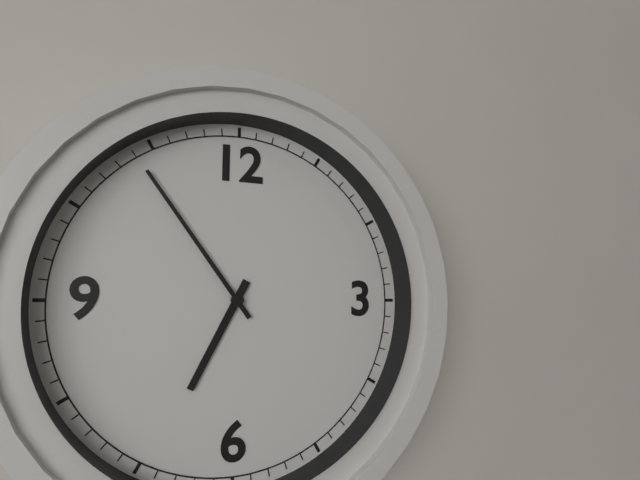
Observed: 6 h 54 min
